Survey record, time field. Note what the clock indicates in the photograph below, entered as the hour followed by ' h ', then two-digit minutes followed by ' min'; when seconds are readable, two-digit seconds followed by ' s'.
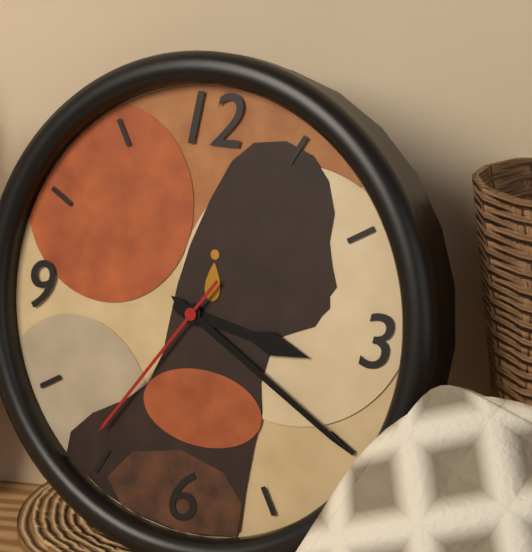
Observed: 3 h 20 min 36 s
